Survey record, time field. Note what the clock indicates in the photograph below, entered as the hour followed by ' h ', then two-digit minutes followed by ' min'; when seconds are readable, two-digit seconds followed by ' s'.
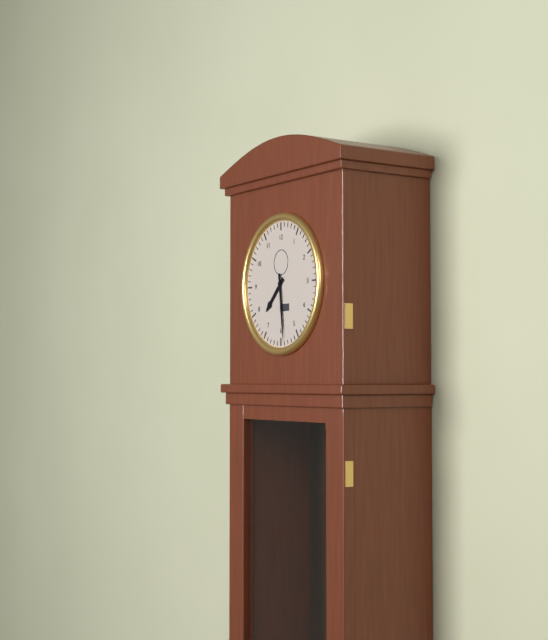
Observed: 7 h 29 min
